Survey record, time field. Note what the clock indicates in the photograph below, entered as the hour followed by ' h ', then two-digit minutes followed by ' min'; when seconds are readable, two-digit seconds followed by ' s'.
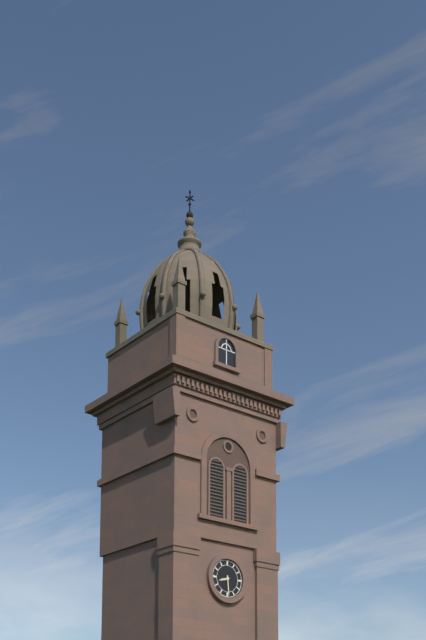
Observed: 8 h 29 min
